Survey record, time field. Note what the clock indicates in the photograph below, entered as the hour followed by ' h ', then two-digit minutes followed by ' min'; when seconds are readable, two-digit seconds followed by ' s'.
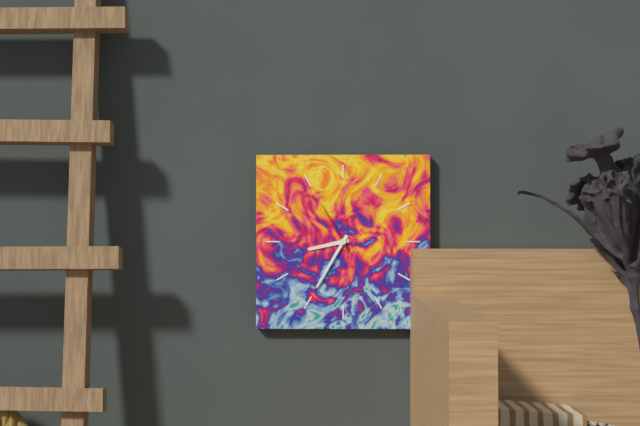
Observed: 8 h 35 min 55 s
